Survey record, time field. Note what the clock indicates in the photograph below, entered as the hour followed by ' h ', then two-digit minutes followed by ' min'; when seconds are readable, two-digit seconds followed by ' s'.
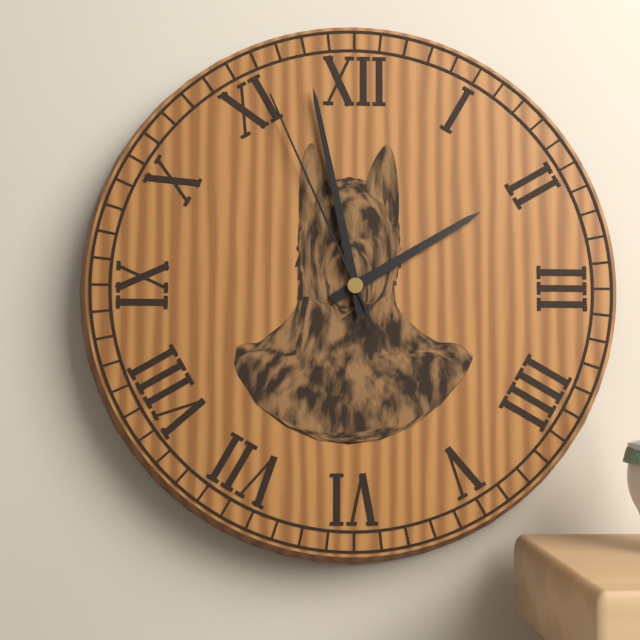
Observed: 1 h 58 min 56 s
